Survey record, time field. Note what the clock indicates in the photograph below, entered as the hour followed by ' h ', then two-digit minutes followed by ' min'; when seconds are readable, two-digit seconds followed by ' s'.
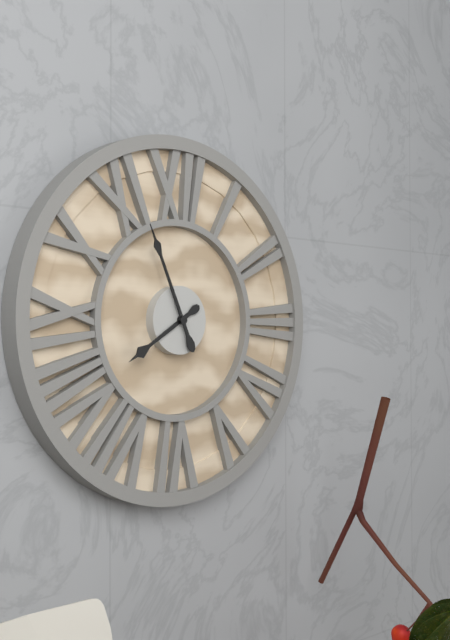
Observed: 7 h 56 min
